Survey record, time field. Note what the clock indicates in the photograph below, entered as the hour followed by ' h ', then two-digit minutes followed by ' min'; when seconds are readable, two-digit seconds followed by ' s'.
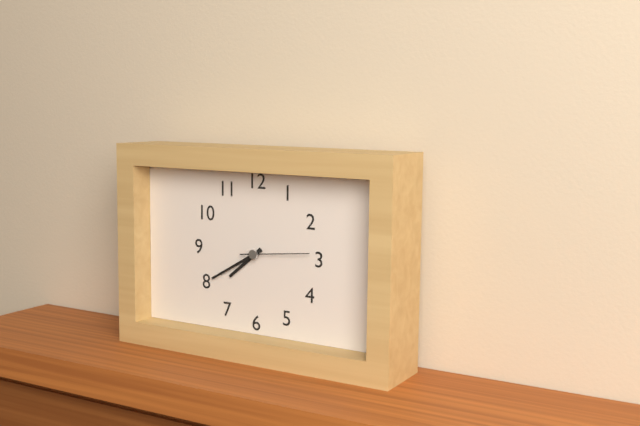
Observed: 7 h 40 min 14 s
